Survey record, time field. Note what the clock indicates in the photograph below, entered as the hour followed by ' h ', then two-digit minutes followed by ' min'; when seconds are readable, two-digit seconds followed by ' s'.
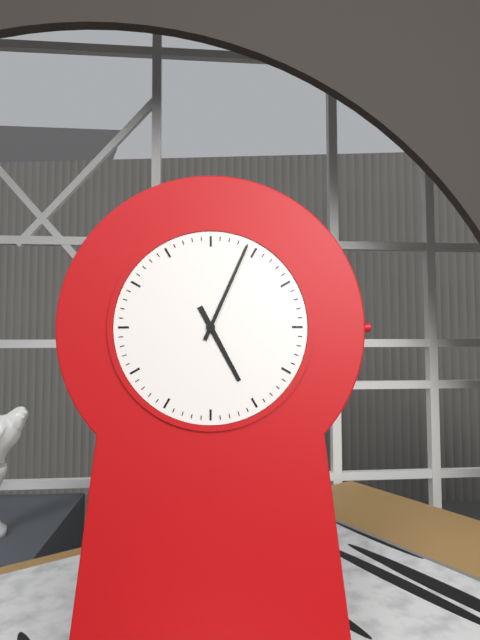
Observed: 5 h 04 min
